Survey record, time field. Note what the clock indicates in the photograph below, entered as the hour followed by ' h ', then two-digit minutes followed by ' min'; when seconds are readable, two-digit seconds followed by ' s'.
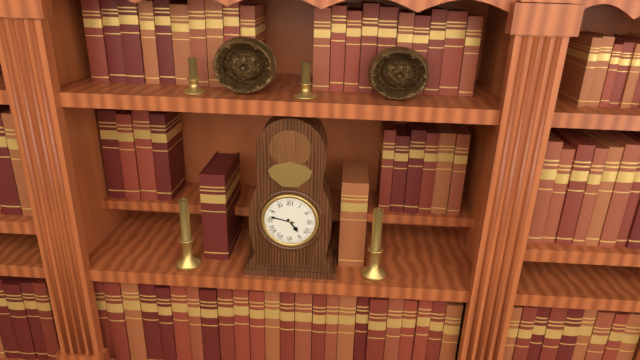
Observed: 4 h 47 min
